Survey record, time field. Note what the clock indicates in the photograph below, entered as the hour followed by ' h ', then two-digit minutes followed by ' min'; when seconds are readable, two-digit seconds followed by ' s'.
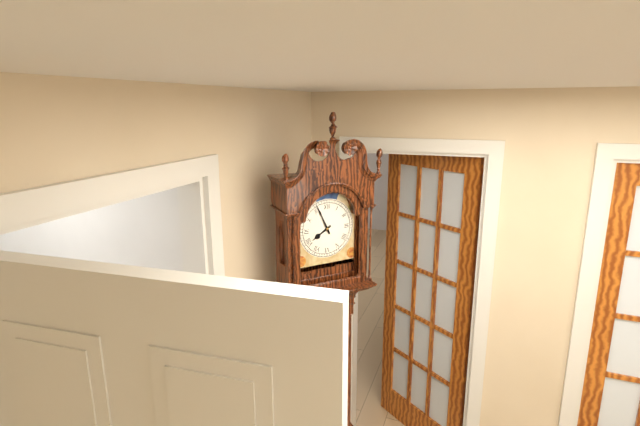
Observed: 7 h 56 min
